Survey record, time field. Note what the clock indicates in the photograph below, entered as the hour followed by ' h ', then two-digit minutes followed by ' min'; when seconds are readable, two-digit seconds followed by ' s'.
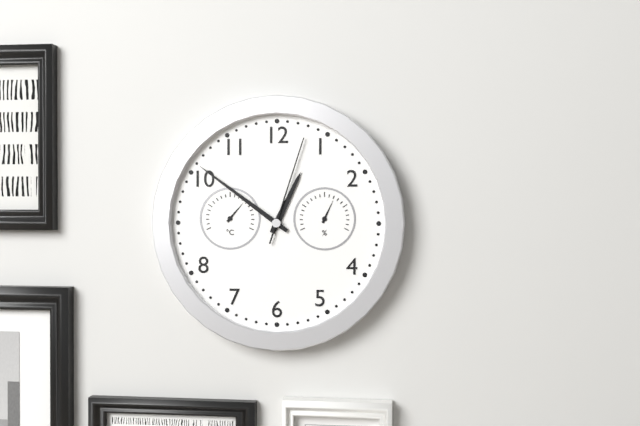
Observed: 12 h 51 min 03 s
